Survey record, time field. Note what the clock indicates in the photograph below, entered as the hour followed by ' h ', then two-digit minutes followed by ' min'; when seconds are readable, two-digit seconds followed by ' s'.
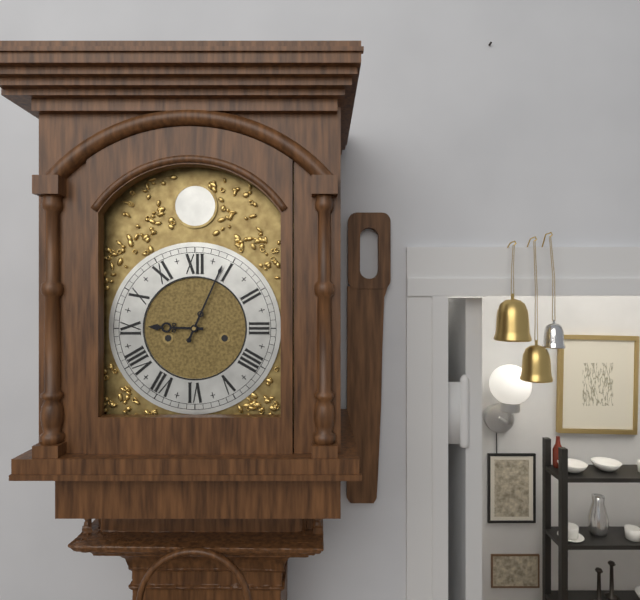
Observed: 9 h 04 min
